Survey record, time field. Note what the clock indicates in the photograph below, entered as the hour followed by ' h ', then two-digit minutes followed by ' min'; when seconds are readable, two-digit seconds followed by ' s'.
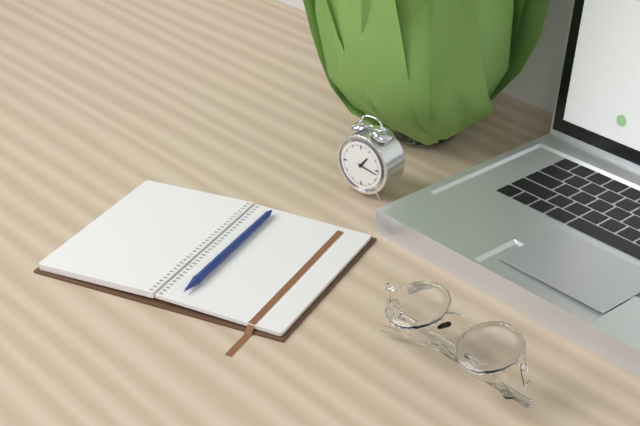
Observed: 1 h 17 min
